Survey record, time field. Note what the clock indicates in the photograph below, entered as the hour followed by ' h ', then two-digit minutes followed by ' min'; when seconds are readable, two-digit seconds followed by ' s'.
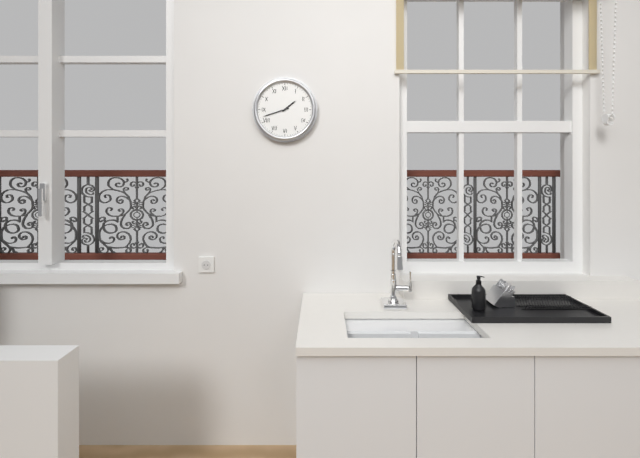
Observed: 1 h 42 min
